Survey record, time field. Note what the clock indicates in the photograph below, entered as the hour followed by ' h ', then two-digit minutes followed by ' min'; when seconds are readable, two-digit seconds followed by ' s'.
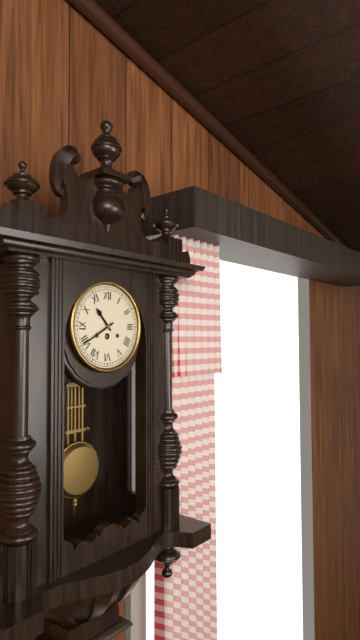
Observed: 10 h 40 min
